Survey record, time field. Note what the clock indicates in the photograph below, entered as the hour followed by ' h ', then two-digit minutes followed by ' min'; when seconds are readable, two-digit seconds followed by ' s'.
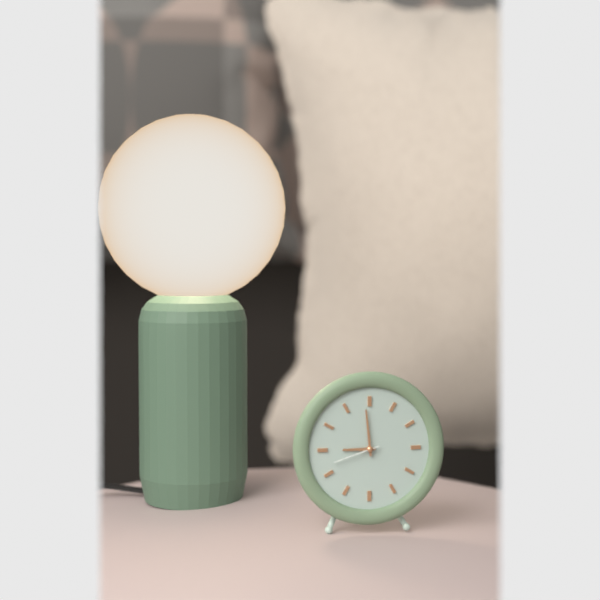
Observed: 8 h 59 min
